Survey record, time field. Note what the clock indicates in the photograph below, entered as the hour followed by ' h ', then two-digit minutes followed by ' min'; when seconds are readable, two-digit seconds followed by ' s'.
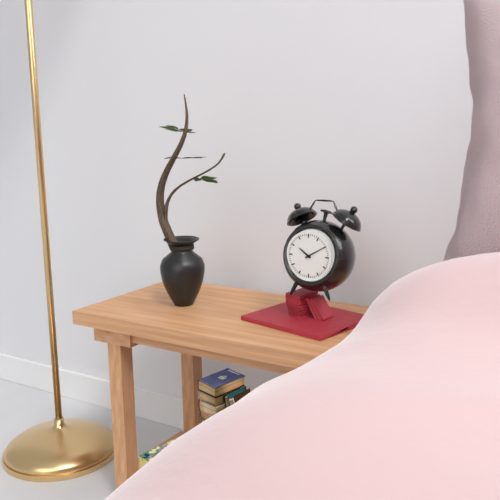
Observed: 10 h 10 min
